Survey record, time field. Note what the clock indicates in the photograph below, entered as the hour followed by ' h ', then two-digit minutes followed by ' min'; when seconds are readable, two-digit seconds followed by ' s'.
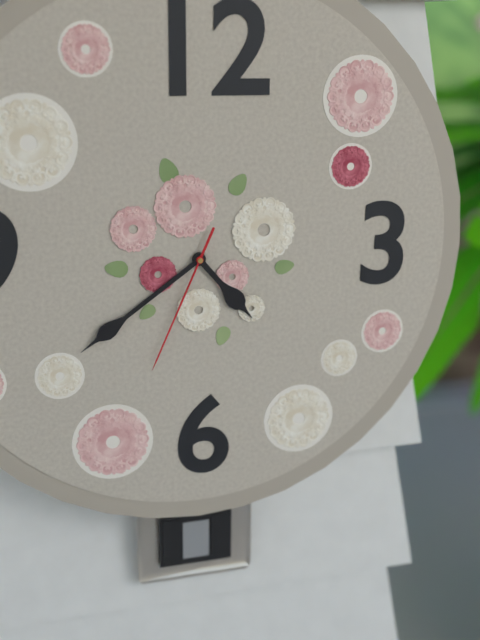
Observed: 4 h 39 min 34 s
